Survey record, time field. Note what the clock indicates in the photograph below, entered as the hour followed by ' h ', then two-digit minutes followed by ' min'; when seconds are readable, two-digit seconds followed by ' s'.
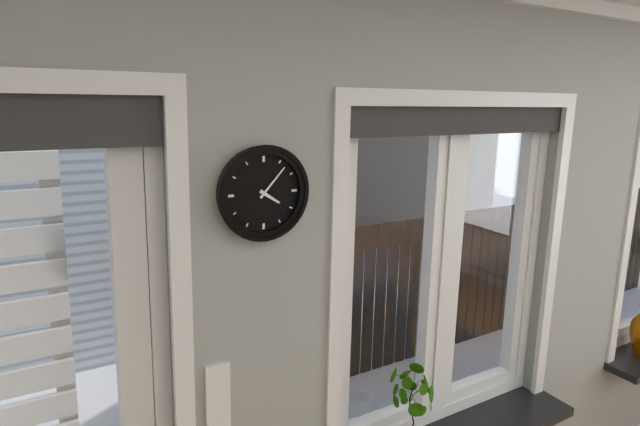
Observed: 4 h 07 min
